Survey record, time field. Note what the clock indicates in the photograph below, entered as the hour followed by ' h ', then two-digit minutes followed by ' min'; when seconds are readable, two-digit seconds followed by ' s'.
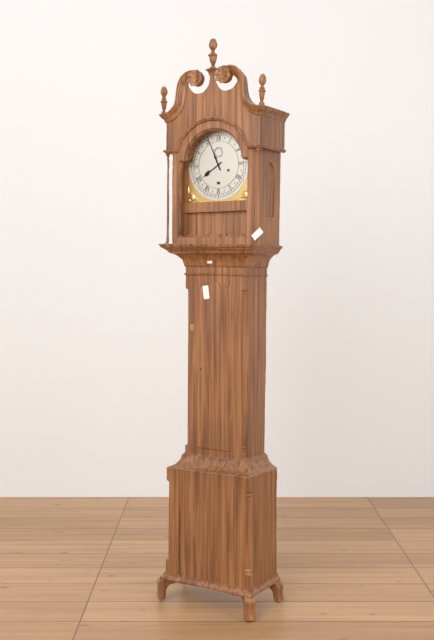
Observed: 7 h 56 min
